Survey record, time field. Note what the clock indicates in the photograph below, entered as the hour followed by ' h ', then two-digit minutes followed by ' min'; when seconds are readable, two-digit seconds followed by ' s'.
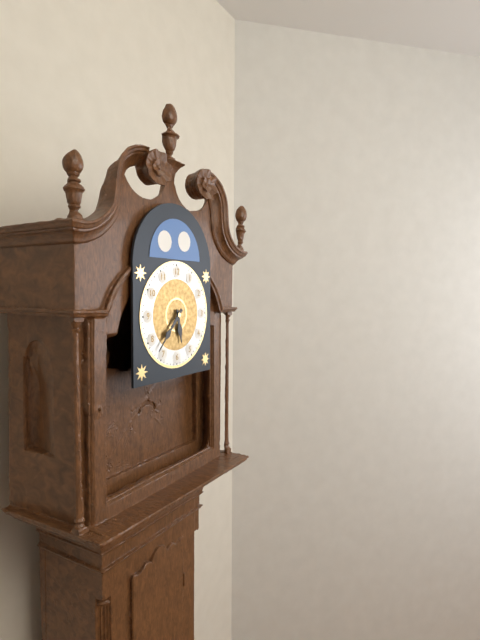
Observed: 5 h 37 min
